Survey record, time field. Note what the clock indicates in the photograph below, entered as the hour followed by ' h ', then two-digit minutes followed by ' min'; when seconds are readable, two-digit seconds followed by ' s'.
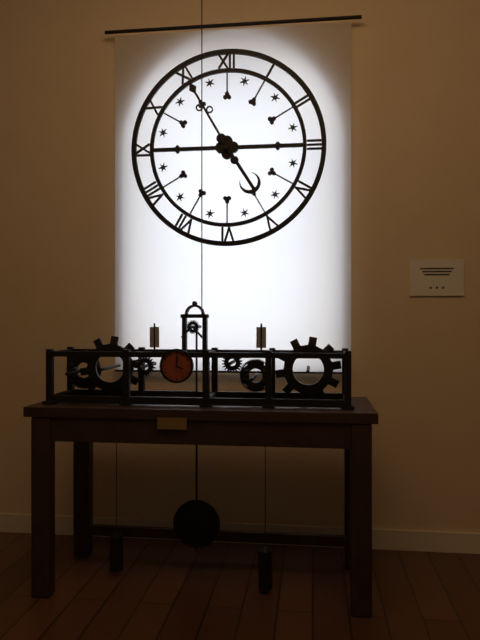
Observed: 4 h 55 min
